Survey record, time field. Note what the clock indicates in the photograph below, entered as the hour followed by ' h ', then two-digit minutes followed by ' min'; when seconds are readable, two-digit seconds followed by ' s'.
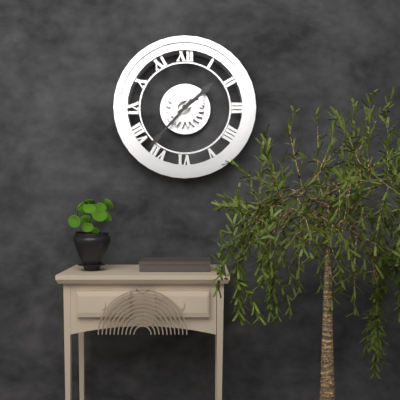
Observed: 1 h 37 min
